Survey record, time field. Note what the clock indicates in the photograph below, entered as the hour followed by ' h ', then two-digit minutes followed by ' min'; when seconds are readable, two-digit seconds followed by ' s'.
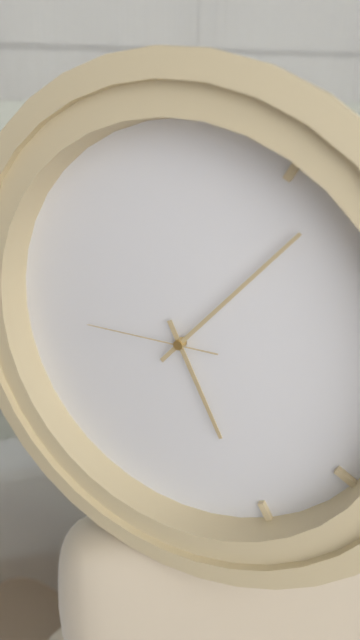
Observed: 5 h 07 min 45 s
